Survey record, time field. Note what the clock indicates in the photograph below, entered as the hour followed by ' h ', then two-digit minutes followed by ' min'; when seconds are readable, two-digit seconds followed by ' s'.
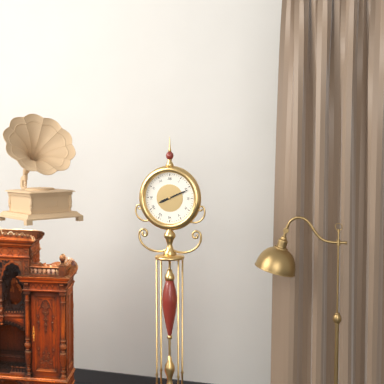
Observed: 8 h 11 min
